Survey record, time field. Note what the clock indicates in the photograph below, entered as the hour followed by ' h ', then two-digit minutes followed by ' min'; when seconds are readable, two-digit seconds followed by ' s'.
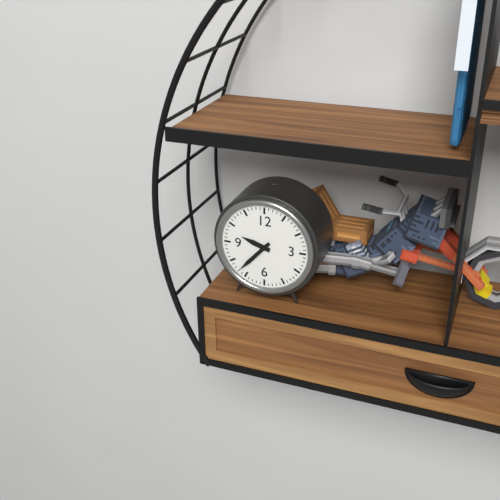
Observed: 9 h 37 min
